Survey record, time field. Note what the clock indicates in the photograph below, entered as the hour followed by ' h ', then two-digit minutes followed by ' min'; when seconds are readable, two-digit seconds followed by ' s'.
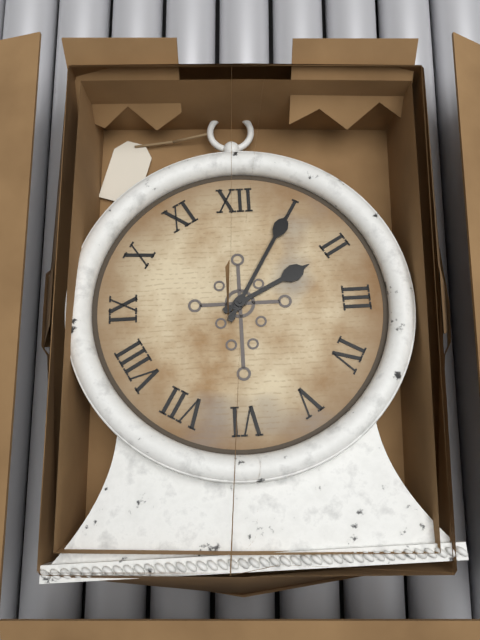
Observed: 2 h 05 min
